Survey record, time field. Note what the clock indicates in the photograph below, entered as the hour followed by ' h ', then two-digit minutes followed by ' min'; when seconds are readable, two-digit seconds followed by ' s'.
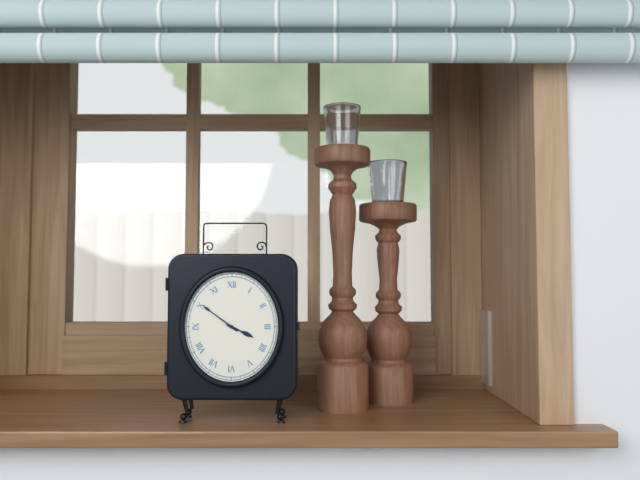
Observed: 3 h 51 min
